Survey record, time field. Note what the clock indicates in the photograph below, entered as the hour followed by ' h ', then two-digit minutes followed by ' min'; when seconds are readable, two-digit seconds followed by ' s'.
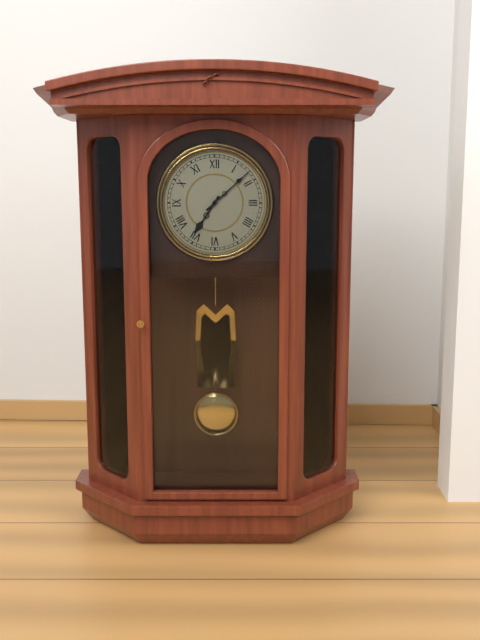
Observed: 7 h 08 min
